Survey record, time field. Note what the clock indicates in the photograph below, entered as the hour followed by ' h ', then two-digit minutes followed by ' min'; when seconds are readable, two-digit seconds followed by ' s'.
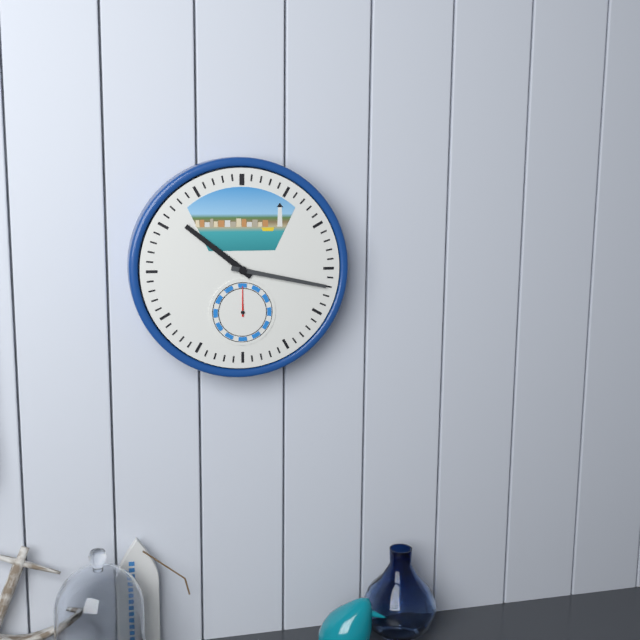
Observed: 10 h 17 min
